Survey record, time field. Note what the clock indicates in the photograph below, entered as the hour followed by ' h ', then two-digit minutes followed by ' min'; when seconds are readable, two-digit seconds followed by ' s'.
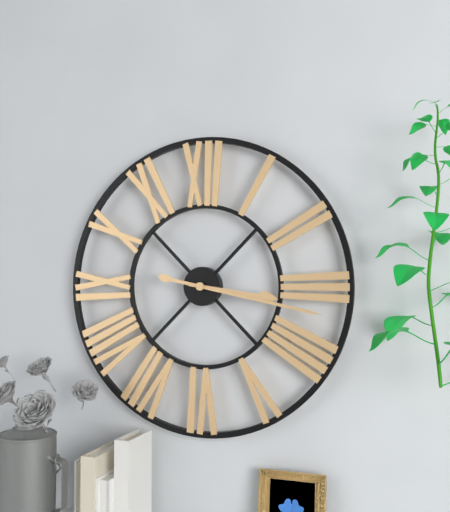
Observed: 3 h 17 min
